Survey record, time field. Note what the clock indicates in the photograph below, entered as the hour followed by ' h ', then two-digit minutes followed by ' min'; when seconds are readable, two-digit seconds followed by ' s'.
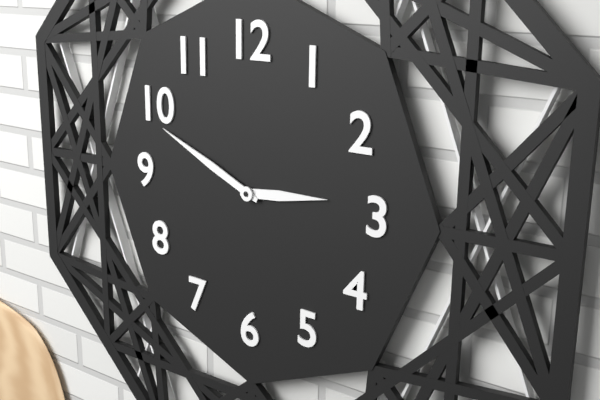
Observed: 2 h 49 min
